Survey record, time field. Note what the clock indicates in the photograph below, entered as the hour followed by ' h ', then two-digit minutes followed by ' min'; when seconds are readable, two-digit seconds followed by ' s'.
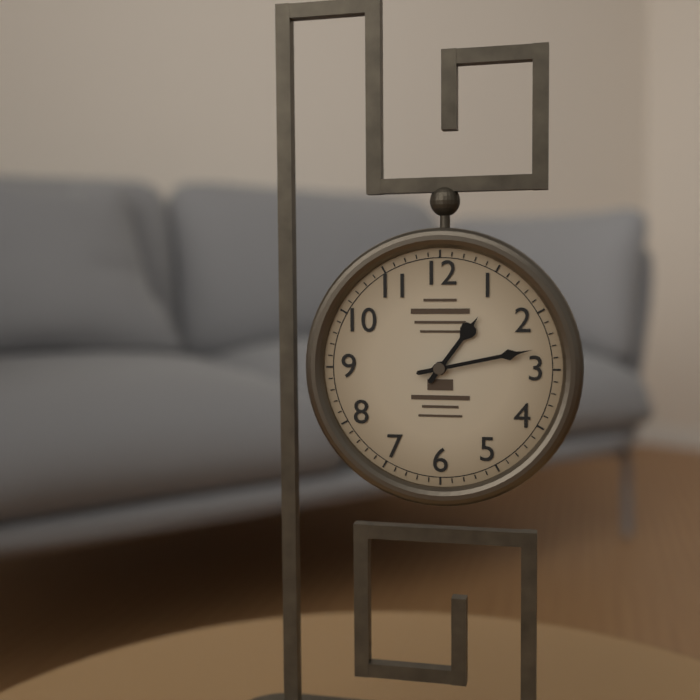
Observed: 1 h 13 min
